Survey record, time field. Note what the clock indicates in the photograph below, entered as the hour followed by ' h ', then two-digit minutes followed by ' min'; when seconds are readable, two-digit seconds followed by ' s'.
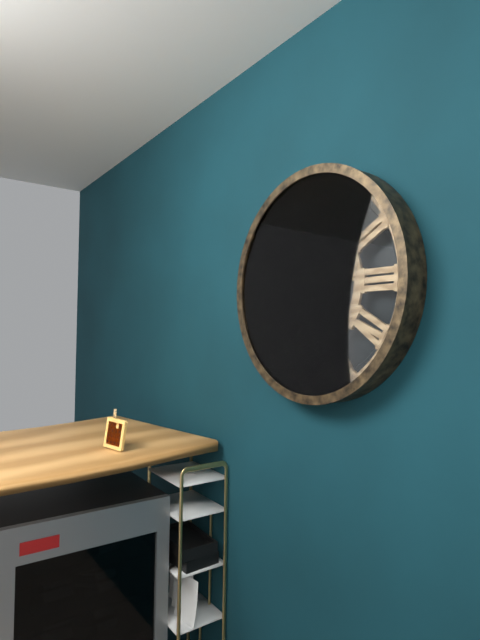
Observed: 5 h 35 min
